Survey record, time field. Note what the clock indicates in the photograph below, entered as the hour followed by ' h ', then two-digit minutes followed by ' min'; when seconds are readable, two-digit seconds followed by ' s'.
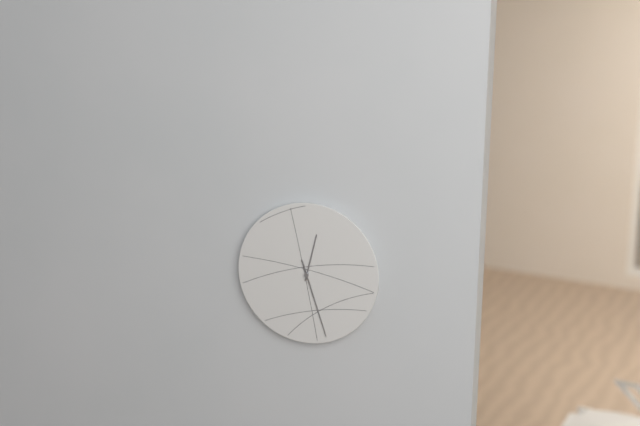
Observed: 12 h 27 min
